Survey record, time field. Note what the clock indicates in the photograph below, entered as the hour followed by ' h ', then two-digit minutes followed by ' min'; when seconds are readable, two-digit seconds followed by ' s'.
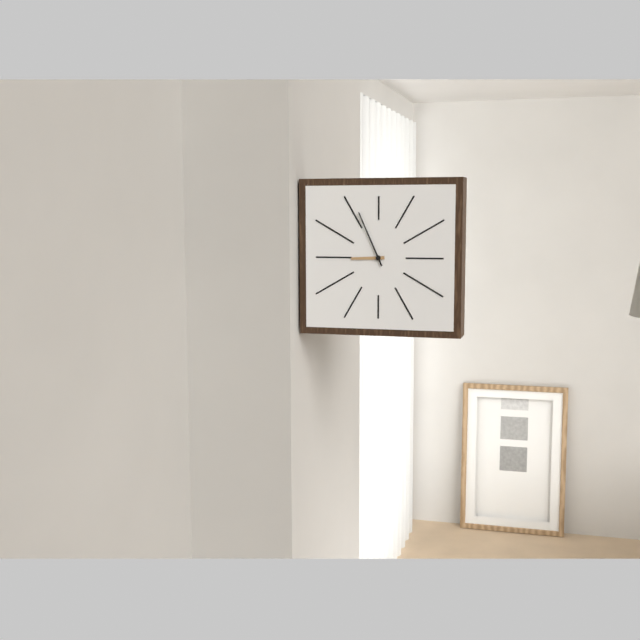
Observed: 8 h 56 min
